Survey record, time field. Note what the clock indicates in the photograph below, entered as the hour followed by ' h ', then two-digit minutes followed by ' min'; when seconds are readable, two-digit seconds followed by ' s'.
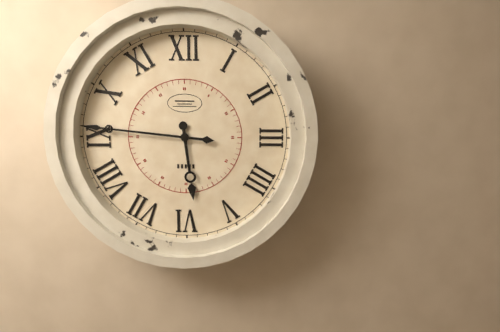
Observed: 5 h 46 min
